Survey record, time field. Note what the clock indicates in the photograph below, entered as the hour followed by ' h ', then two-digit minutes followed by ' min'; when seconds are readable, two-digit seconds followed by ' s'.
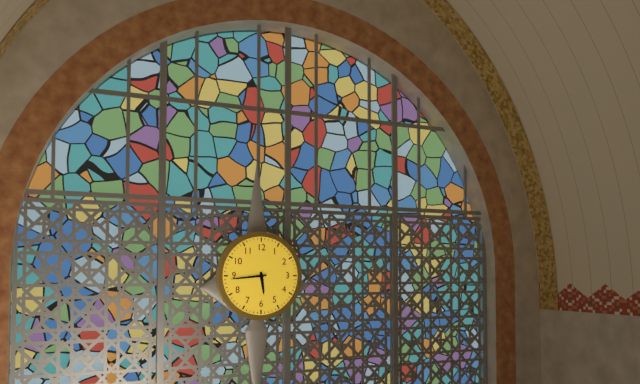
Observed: 5 h 44 min
